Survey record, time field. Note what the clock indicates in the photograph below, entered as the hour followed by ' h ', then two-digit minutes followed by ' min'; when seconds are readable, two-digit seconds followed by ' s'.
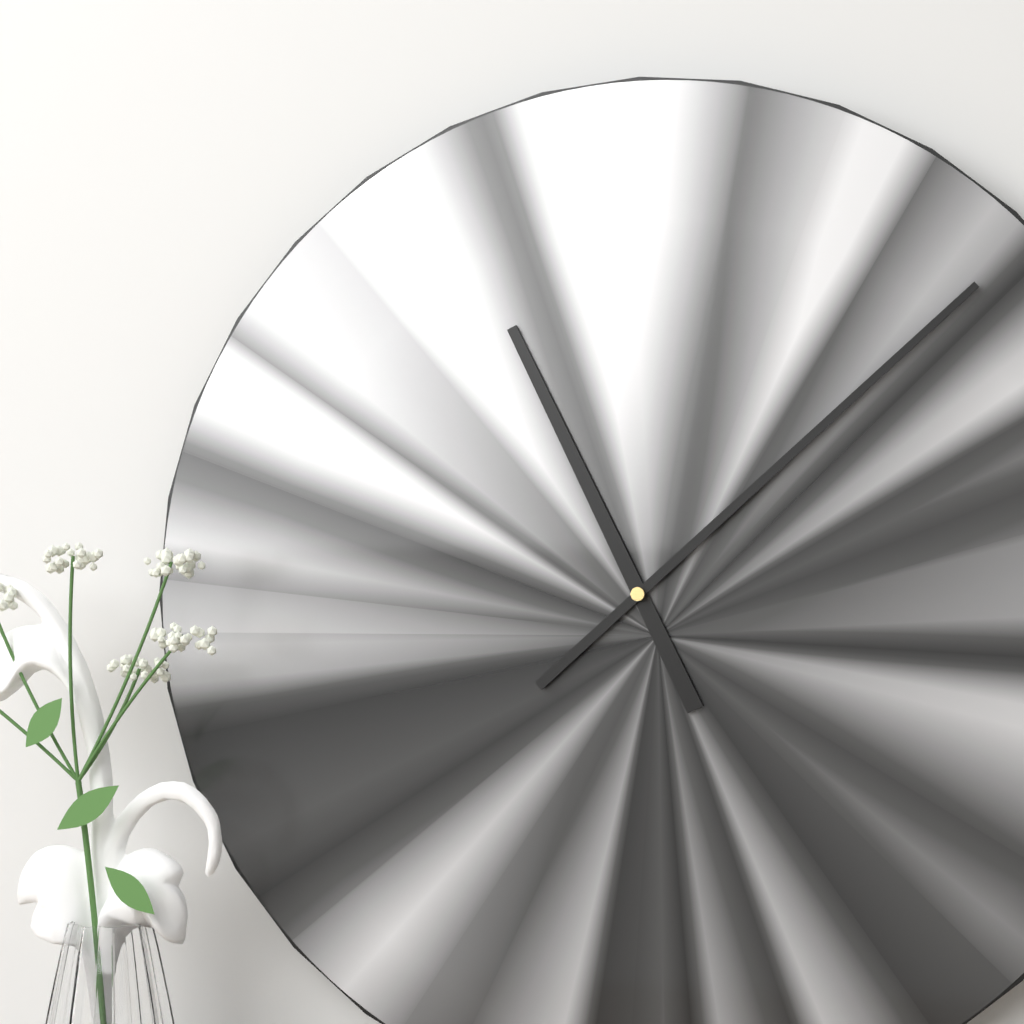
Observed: 11 h 08 min
